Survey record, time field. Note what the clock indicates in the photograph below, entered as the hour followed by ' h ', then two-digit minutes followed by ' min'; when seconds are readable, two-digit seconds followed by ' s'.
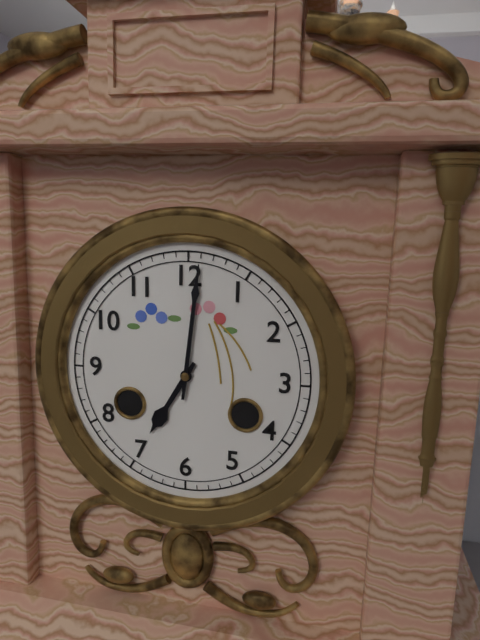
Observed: 7 h 01 min
